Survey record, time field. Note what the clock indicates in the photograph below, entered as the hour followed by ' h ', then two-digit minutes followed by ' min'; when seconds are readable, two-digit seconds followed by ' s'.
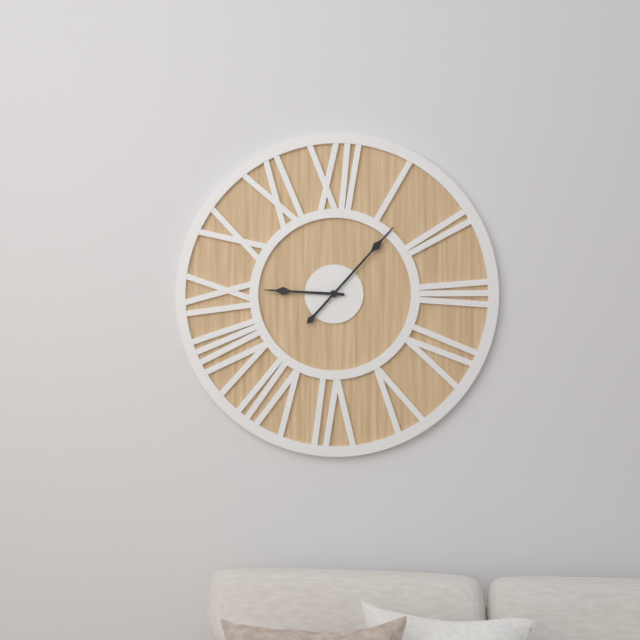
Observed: 9 h 07 min
